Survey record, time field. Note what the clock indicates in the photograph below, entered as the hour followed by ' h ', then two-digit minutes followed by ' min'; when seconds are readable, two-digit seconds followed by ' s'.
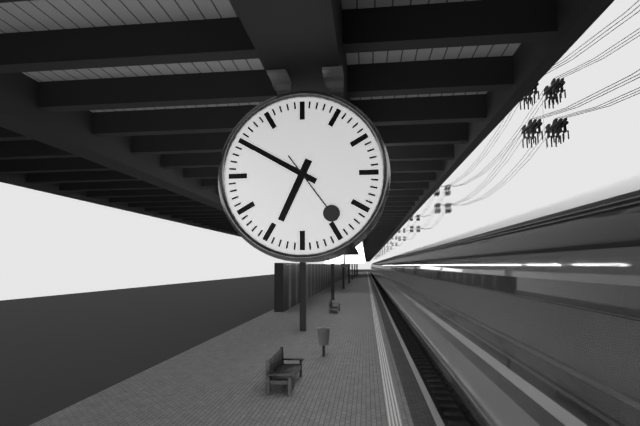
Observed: 6 h 50 min 24 s
